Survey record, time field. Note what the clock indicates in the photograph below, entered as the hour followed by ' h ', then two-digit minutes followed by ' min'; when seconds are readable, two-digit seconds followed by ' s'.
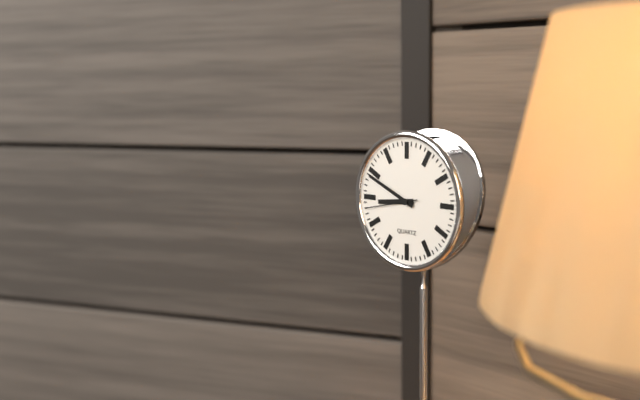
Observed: 8 h 49 min 43 s
